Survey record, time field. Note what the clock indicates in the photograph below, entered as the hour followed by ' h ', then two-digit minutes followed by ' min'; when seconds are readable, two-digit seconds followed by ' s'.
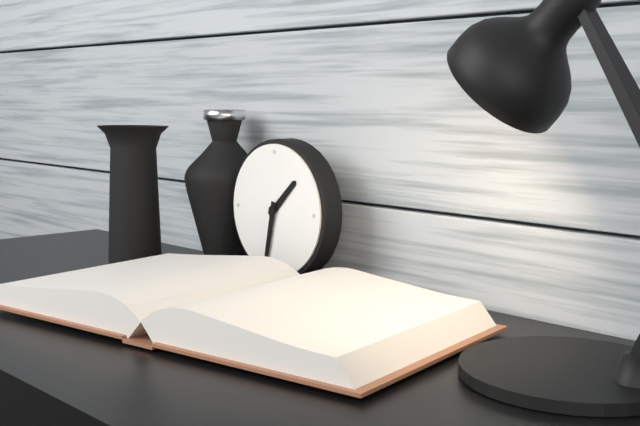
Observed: 1 h 32 min
